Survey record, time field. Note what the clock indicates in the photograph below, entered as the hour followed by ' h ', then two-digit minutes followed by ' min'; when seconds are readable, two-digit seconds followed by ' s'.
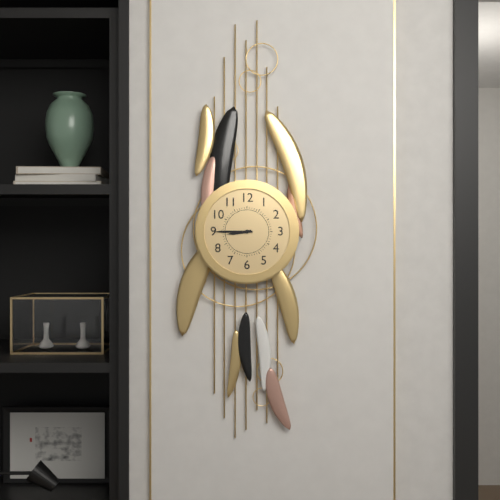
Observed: 8 h 45 min
